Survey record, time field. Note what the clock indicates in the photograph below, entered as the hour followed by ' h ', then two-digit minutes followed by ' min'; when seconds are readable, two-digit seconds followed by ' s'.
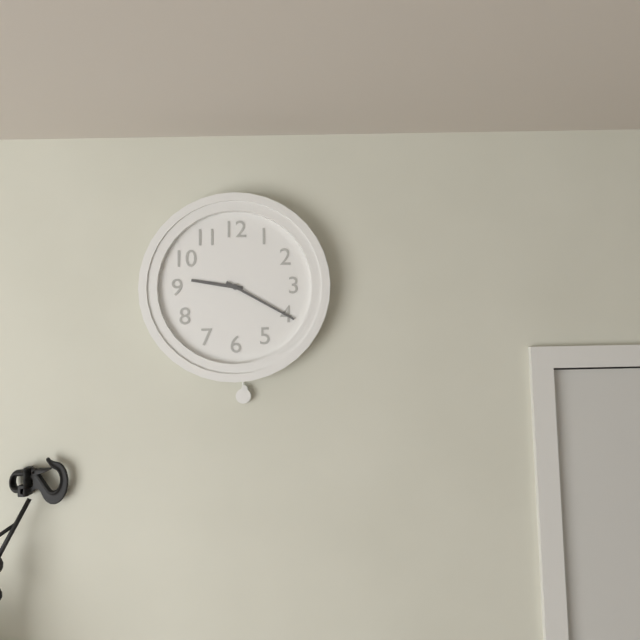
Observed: 9 h 20 min
